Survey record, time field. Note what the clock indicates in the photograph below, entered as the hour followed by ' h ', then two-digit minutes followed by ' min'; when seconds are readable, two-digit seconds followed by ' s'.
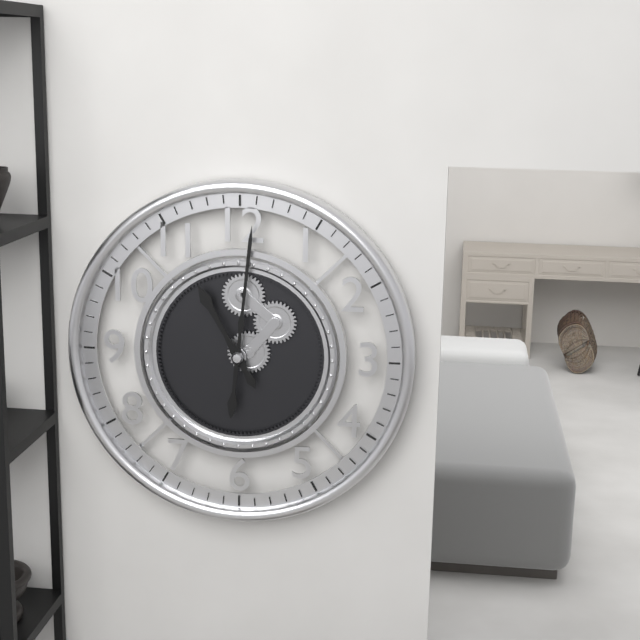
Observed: 11 h 01 min
